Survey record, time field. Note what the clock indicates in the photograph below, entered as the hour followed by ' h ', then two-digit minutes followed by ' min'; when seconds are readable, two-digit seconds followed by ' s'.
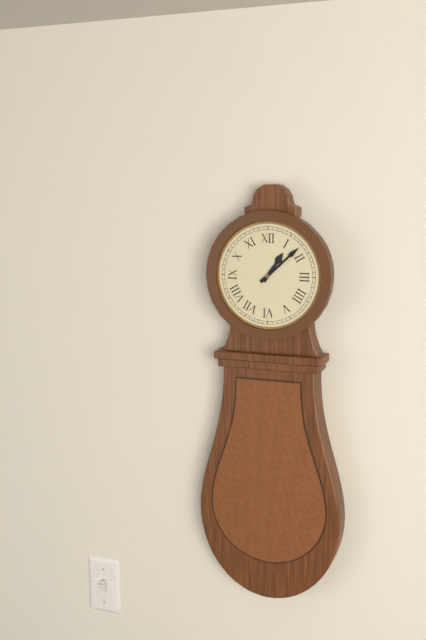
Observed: 1 h 08 min
